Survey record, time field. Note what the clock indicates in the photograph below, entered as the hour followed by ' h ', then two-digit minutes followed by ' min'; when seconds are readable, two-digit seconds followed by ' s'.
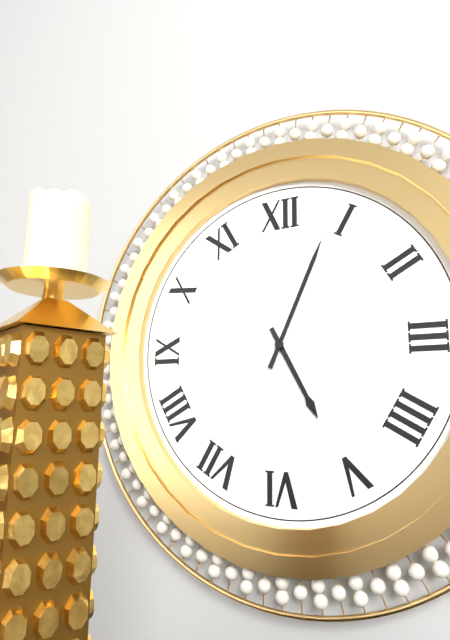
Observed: 5 h 04 min
